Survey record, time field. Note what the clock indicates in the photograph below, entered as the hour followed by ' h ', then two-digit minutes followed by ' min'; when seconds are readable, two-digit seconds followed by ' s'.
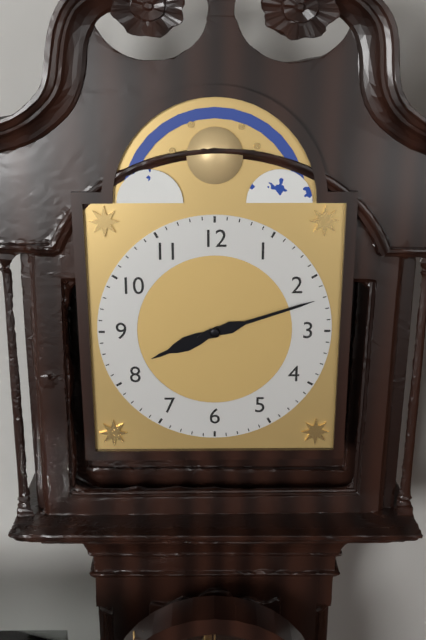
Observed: 8 h 12 min
